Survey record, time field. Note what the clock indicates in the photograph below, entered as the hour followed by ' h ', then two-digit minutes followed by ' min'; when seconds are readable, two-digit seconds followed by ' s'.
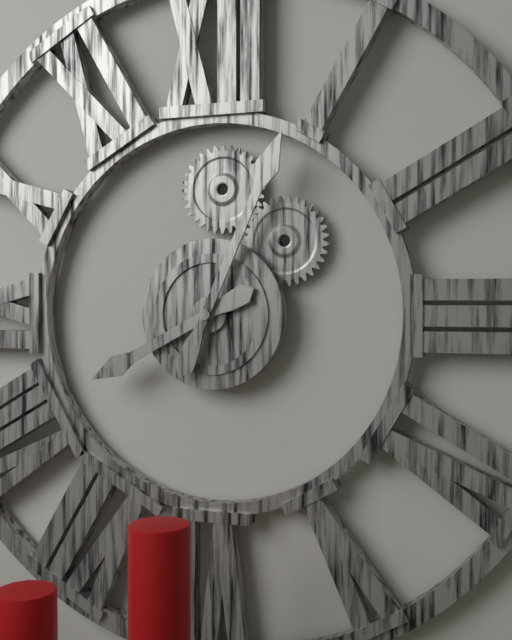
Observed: 8 h 04 min
